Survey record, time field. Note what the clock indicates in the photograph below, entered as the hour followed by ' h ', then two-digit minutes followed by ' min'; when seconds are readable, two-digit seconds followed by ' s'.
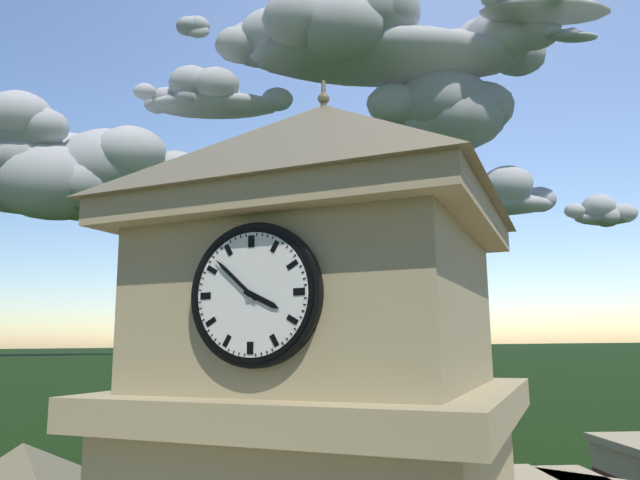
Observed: 3 h 52 min
